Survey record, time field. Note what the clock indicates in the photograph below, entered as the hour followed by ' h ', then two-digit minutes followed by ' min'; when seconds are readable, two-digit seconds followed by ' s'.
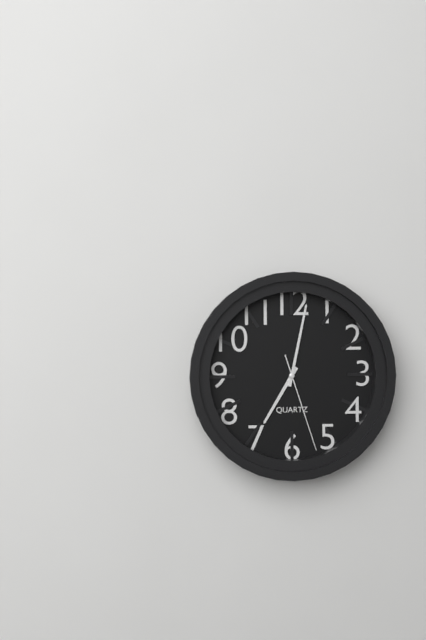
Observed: 7 h 02 min 27 s
